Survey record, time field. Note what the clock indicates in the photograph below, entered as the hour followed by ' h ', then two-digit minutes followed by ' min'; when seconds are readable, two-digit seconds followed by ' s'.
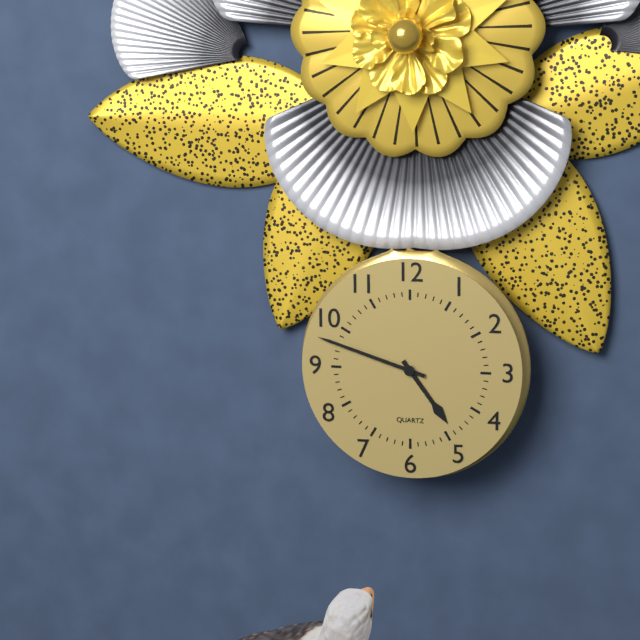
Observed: 4 h 48 min
